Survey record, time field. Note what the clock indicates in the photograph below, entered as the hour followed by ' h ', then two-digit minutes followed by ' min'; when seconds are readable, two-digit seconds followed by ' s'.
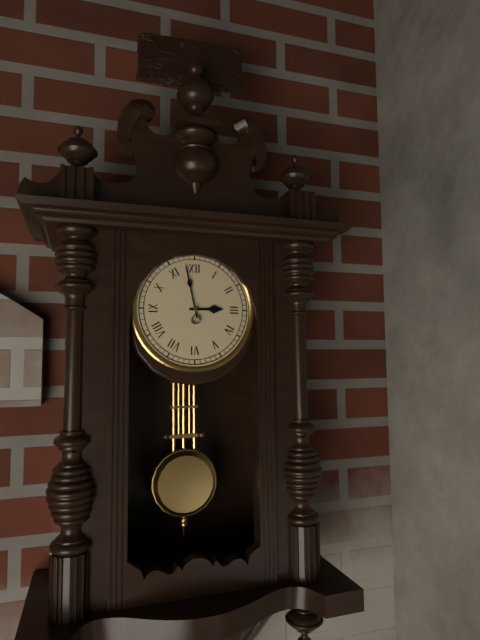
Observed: 2 h 58 min
